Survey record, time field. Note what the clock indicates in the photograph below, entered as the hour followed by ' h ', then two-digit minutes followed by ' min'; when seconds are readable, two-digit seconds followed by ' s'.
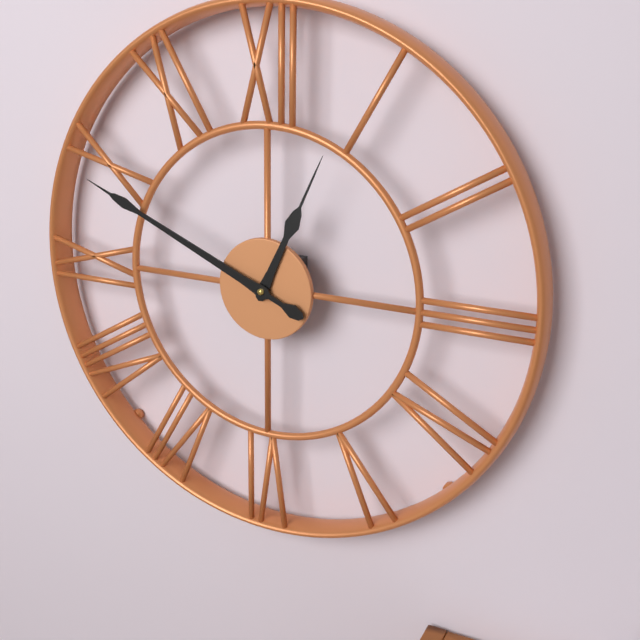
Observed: 12 h 49 min
